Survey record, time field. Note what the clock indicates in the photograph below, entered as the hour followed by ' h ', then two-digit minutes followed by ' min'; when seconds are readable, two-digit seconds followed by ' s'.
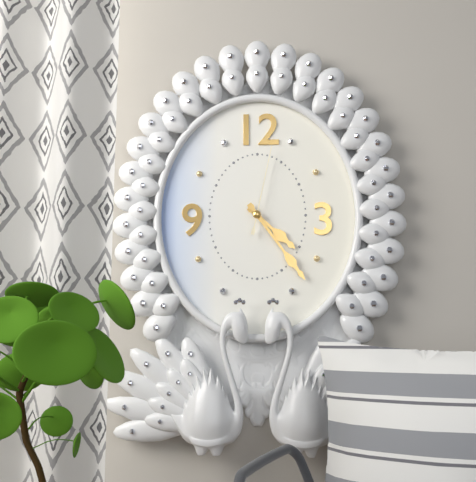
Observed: 4 h 24 min 02 s
